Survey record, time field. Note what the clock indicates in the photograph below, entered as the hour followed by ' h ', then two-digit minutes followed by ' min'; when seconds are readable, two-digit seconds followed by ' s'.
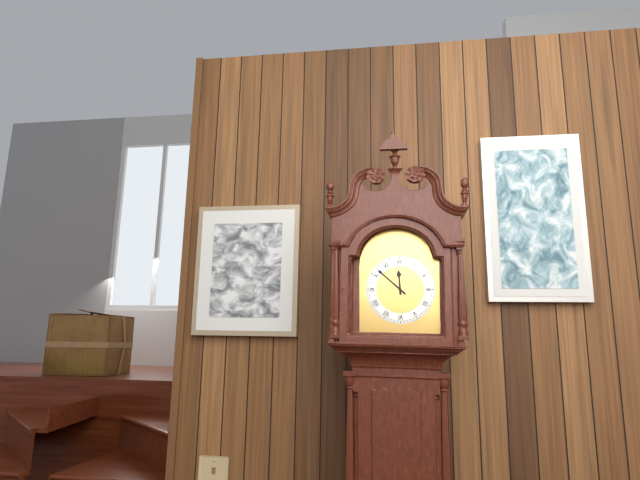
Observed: 11 h 52 min
